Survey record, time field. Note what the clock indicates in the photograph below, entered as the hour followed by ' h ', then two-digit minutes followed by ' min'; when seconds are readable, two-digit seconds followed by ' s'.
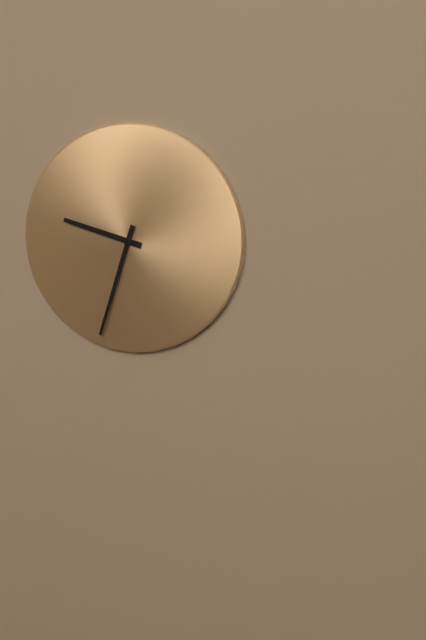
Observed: 9 h 33 min
